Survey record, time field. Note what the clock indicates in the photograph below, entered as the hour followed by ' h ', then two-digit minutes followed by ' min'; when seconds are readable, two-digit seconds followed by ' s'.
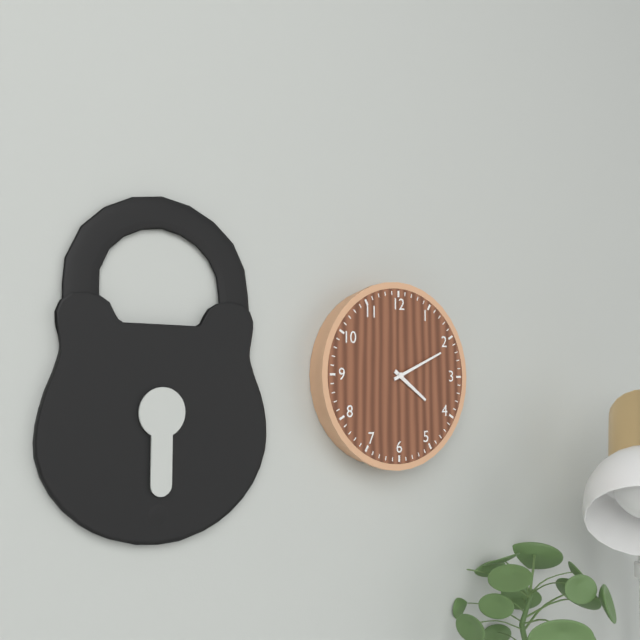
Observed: 4 h 11 min
